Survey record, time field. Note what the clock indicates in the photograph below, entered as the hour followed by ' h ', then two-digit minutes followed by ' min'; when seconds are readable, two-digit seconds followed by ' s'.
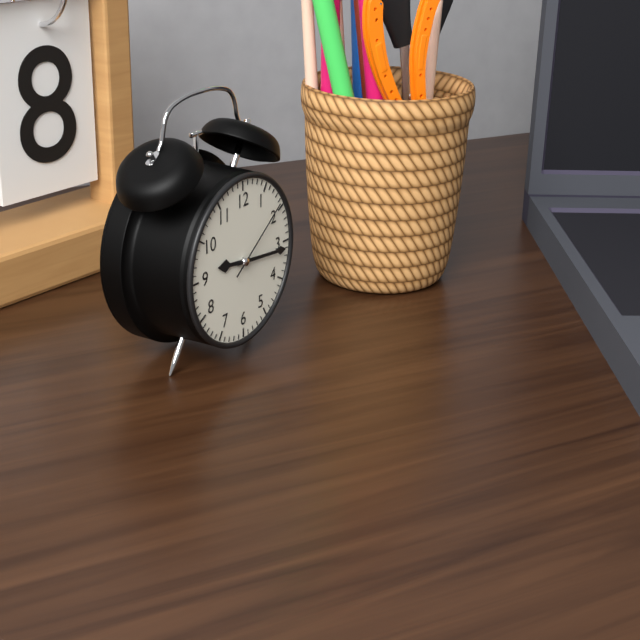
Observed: 9 h 16 min 09 s
